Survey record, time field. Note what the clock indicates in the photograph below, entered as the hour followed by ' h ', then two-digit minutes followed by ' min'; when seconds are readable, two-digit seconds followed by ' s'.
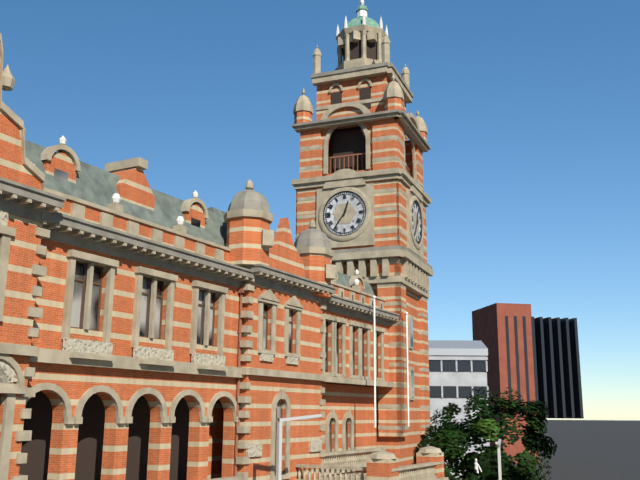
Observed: 12 h 36 min
